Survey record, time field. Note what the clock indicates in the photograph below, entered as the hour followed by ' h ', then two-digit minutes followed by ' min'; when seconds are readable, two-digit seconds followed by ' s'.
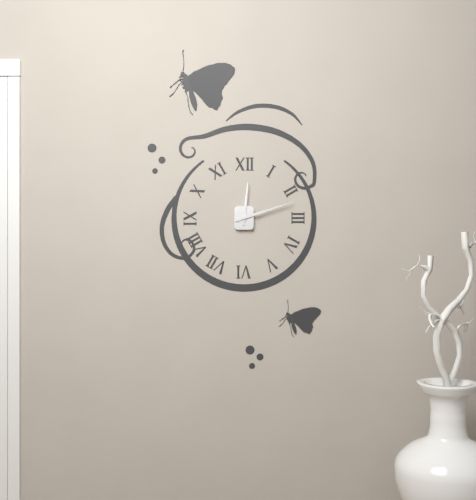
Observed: 12 h 12 min
